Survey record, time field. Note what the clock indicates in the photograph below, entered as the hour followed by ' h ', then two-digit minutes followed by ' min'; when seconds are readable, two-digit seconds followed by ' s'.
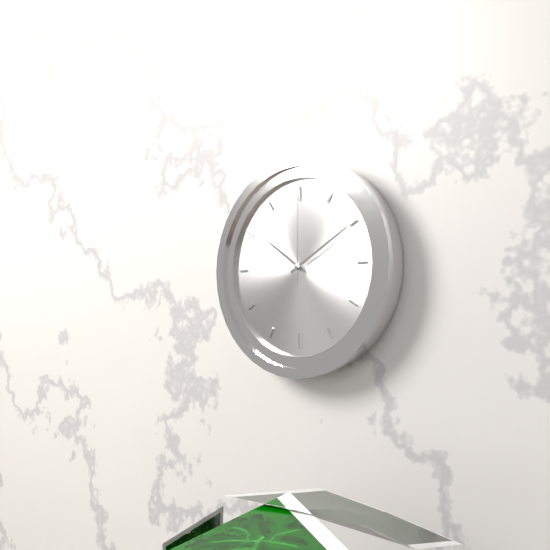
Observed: 10 h 10 min 00 s
